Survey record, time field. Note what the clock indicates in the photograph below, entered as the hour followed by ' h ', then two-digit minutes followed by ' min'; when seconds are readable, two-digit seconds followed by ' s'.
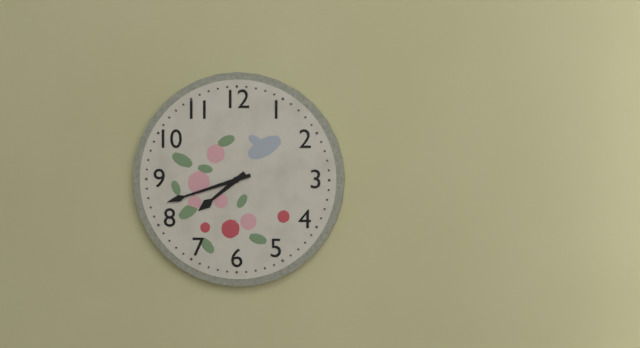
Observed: 7 h 42 min
